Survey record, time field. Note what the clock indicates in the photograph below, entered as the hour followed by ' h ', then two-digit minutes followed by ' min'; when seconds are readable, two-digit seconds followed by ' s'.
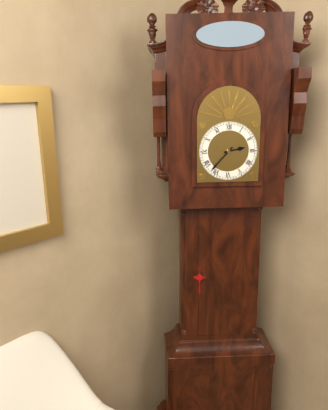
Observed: 2 h 37 min
